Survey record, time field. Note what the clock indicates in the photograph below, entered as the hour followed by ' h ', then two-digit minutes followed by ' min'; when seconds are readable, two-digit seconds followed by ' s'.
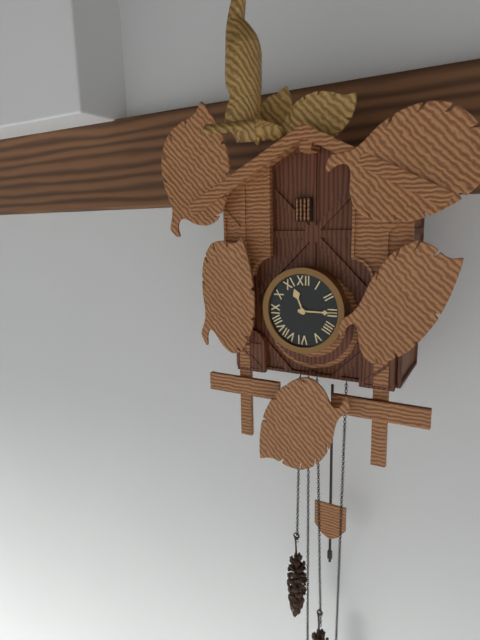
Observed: 11 h 15 min
